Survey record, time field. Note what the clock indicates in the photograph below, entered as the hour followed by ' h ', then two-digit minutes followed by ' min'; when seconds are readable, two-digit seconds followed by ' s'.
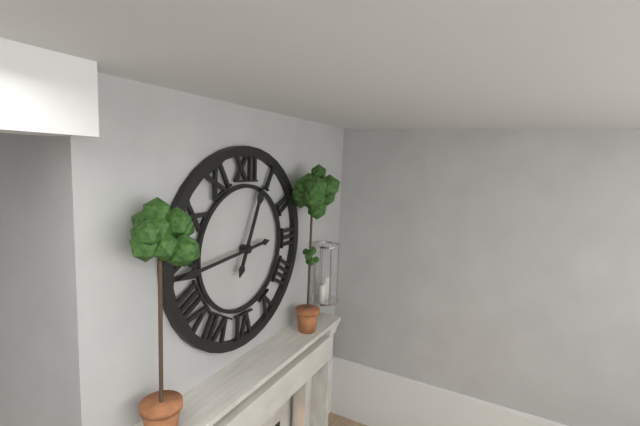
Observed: 12 h 44 min
